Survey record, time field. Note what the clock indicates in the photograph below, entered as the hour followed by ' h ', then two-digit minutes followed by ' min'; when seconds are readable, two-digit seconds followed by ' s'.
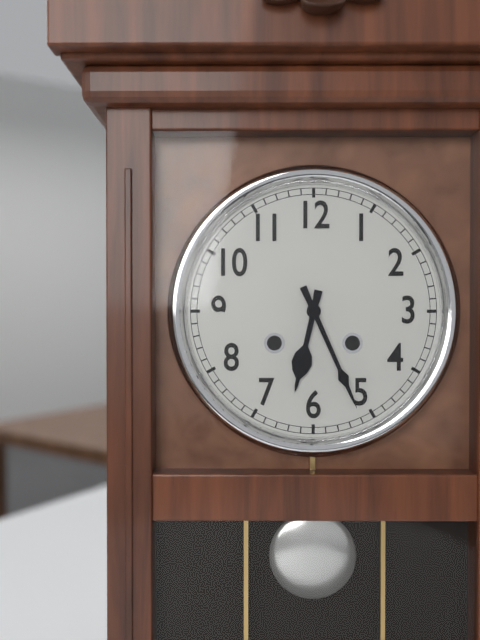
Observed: 6 h 26 min
